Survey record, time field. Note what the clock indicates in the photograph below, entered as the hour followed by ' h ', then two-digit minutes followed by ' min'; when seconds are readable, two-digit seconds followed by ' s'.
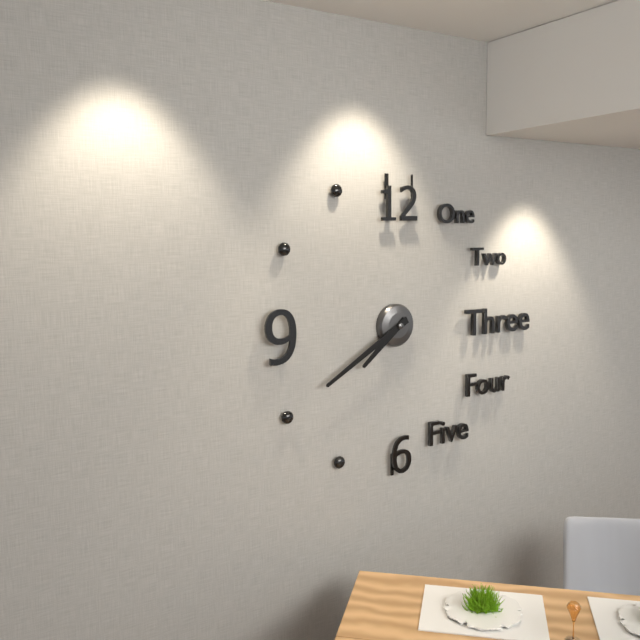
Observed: 7 h 40 min
